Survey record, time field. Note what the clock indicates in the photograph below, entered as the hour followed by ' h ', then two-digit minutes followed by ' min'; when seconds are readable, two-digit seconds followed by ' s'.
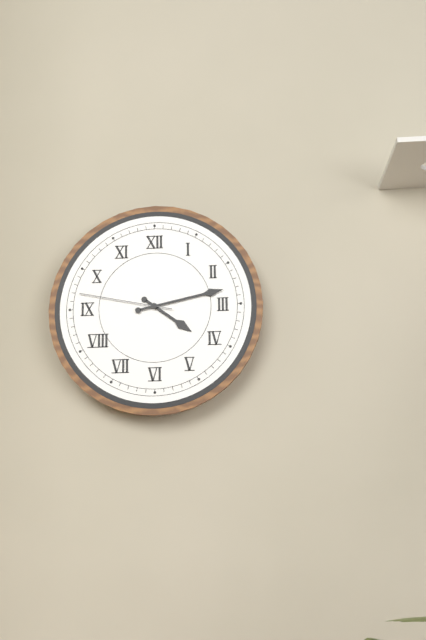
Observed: 4 h 13 min 47 s
